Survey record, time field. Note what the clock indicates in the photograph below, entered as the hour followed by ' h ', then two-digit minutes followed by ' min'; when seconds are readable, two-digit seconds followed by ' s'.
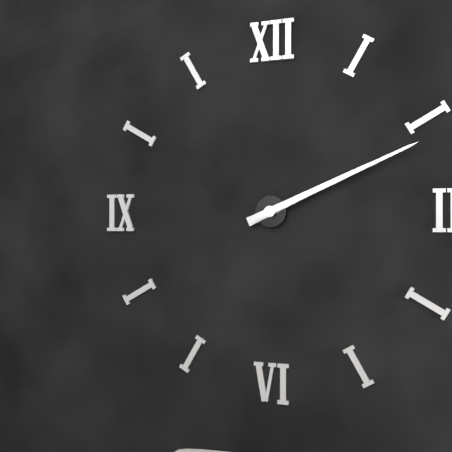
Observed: 2 h 11 min
